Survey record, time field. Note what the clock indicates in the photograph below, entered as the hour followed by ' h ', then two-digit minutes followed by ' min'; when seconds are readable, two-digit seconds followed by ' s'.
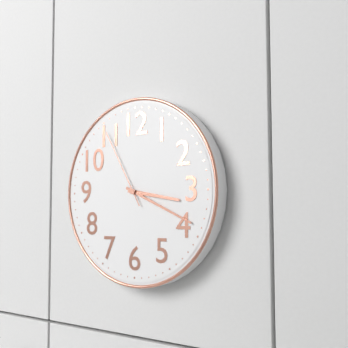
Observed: 3 h 19 min 55 s
